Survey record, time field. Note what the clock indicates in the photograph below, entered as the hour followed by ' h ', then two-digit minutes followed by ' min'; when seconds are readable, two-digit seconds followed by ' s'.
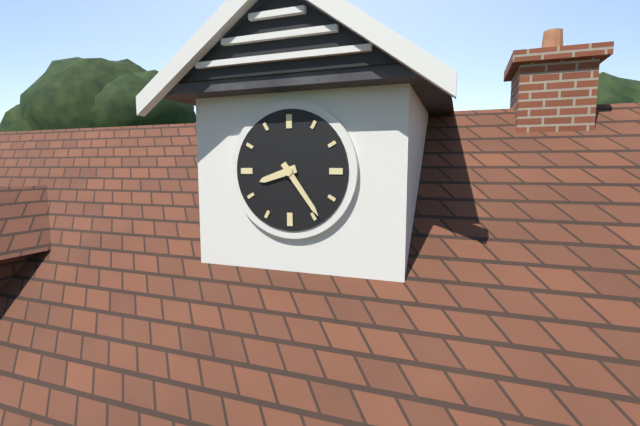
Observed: 8 h 24 min
